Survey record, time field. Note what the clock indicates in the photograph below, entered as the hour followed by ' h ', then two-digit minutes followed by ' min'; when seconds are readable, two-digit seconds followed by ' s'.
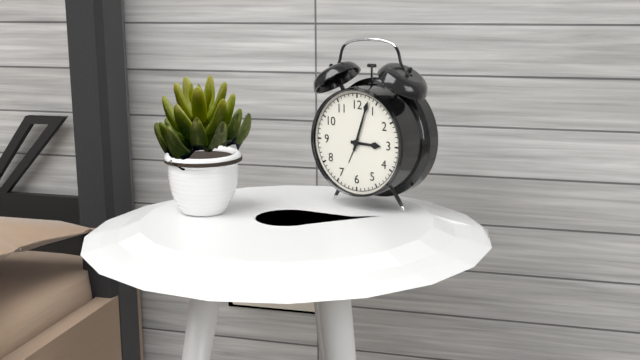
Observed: 3 h 03 min
